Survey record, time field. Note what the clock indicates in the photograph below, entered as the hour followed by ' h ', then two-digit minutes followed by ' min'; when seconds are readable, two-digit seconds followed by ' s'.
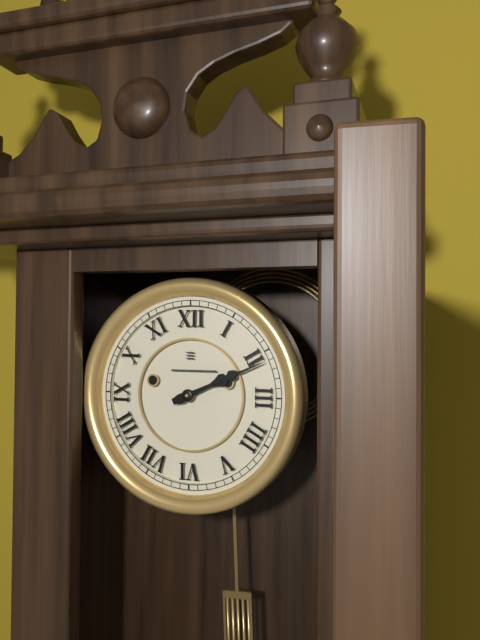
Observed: 2 h 11 min
